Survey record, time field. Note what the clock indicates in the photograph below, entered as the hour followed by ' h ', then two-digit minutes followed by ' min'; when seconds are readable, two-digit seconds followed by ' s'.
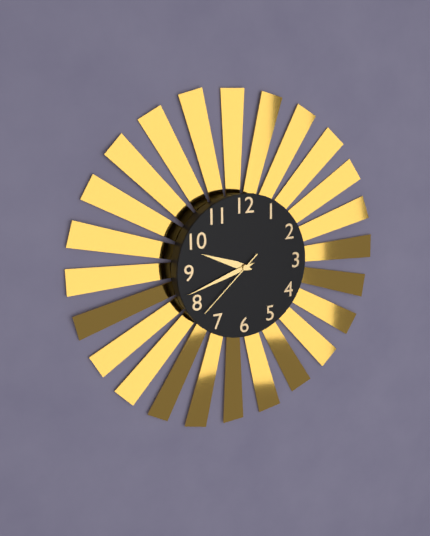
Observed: 9 h 42 min 38 s
